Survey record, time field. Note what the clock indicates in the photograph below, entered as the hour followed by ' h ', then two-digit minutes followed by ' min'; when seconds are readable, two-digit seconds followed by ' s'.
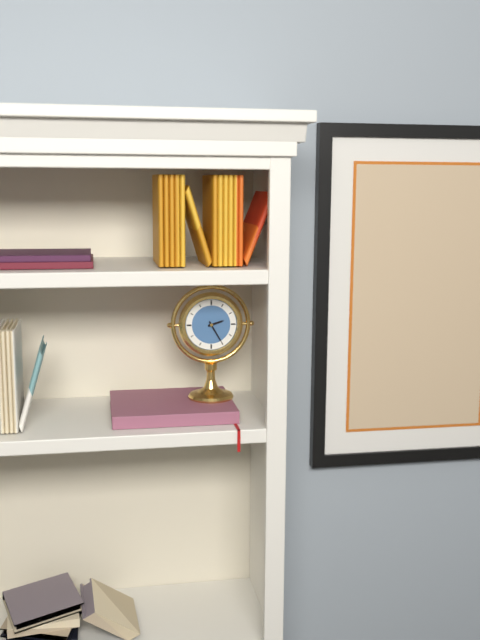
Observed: 2 h 25 min
